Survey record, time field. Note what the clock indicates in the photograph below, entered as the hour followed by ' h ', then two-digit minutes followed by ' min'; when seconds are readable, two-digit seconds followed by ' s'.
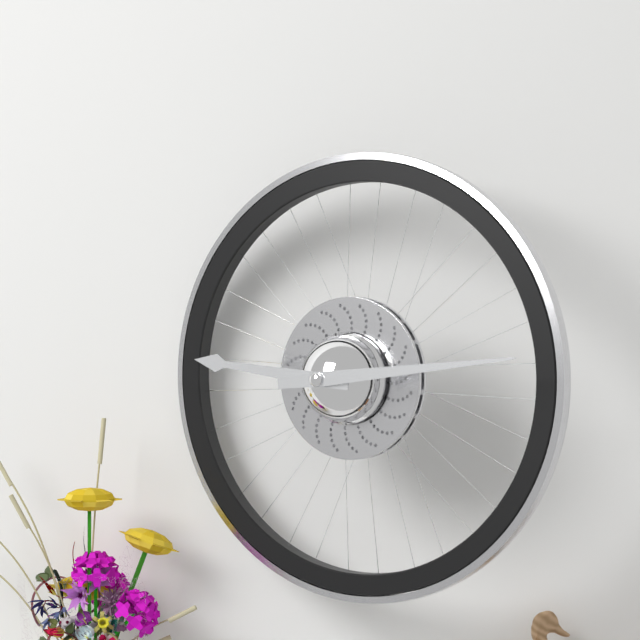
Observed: 9 h 14 min
